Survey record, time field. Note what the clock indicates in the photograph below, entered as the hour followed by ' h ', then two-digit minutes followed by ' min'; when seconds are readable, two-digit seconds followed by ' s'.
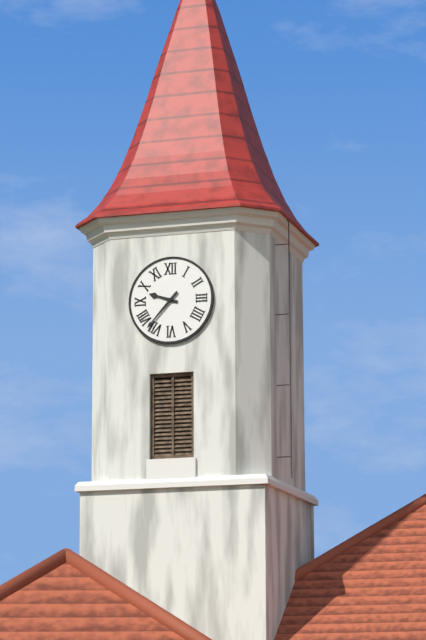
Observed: 9 h 37 min
